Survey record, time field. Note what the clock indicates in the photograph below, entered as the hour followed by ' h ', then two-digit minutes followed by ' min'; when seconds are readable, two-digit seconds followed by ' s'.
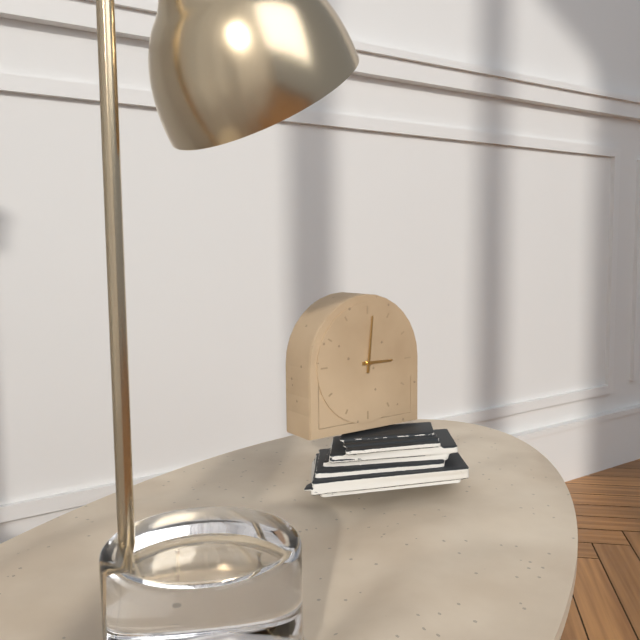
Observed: 3 h 01 min
